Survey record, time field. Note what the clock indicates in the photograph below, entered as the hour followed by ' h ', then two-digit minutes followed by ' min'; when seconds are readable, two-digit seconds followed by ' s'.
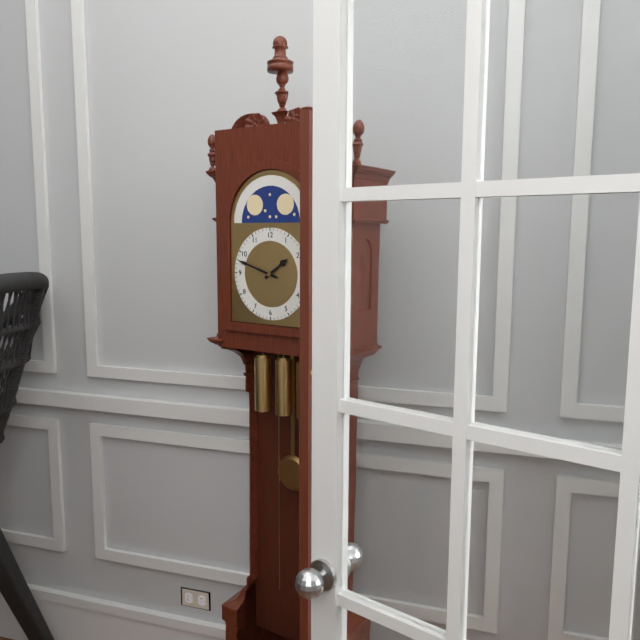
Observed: 1 h 48 min
